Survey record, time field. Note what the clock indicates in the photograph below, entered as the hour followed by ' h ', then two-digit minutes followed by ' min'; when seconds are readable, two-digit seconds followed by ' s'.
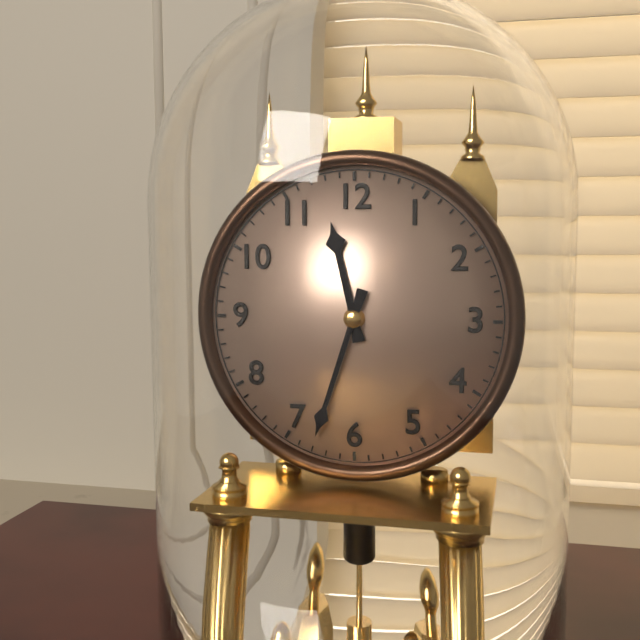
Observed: 11 h 33 min
